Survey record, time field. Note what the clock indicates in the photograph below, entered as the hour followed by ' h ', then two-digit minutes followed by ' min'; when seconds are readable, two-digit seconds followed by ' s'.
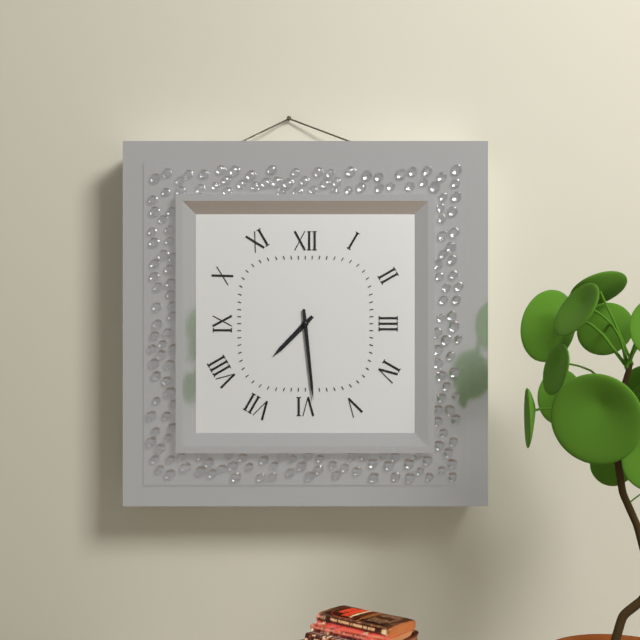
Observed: 7 h 29 min
